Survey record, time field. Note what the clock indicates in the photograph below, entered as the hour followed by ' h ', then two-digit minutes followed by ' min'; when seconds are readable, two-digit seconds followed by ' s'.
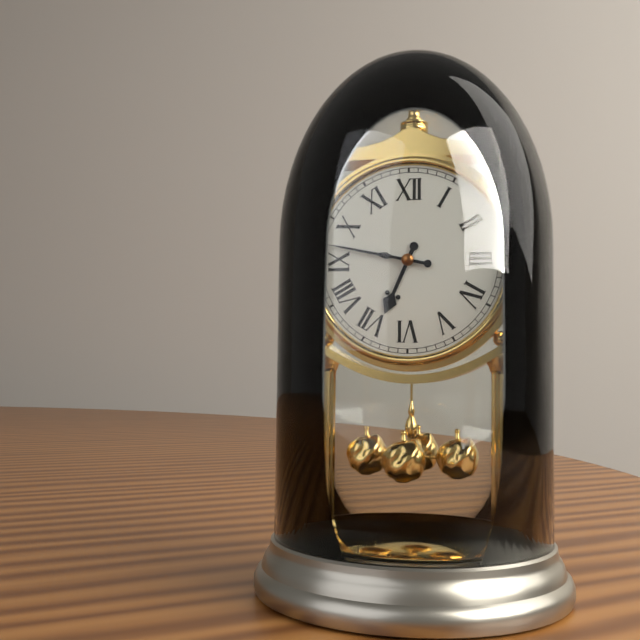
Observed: 6 h 47 min
